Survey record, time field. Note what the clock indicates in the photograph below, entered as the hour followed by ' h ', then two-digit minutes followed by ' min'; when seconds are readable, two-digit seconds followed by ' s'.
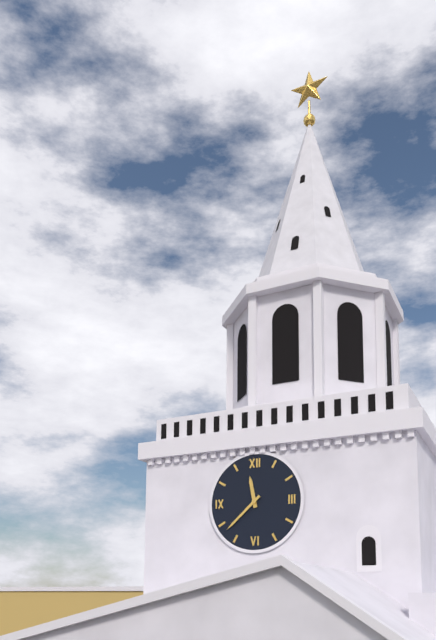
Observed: 11 h 38 min
